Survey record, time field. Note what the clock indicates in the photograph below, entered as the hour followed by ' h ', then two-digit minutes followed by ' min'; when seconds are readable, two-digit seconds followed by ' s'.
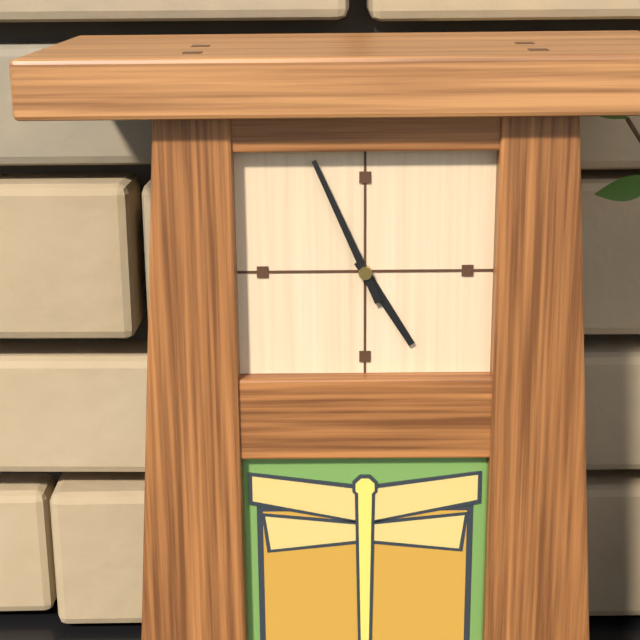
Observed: 4 h 56 min
